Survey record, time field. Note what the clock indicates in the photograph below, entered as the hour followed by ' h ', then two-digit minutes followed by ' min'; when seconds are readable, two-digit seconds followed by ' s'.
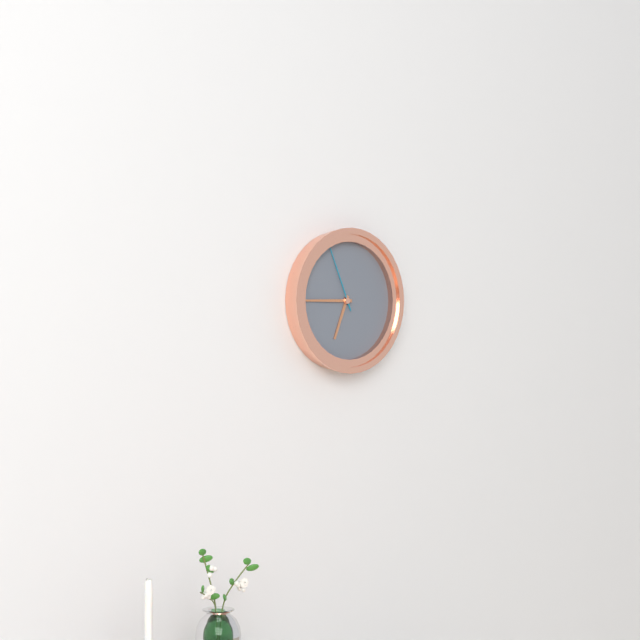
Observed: 6 h 45 min 56 s
